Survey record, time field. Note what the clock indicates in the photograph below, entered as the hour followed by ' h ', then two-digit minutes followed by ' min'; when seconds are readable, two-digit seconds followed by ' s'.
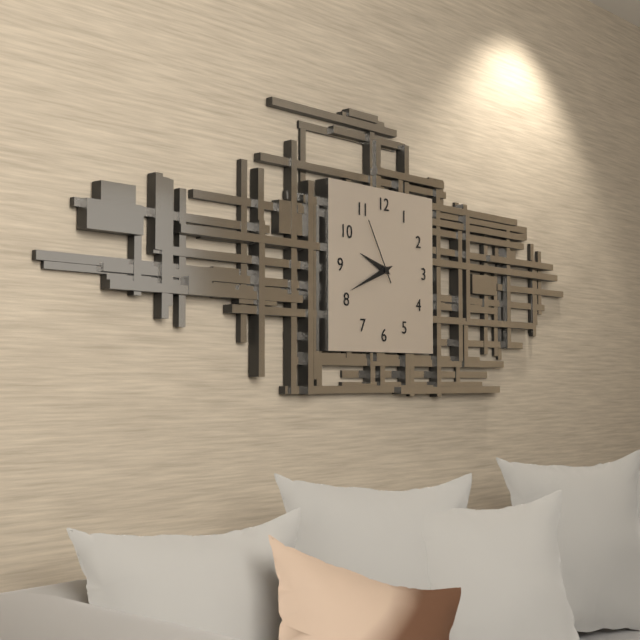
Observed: 9 h 41 min 55 s
